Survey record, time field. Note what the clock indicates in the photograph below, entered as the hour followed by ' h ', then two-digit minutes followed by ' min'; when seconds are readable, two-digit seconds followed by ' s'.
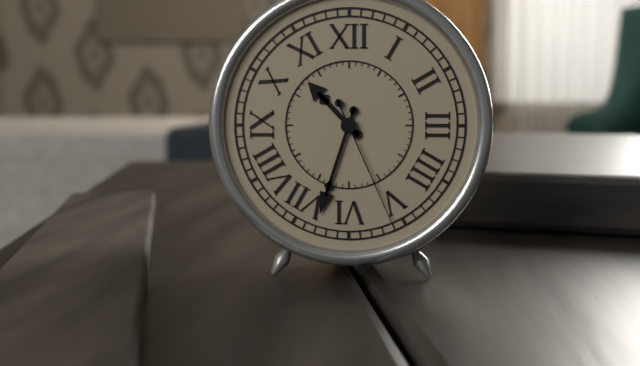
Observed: 10 h 33 min 26 s
